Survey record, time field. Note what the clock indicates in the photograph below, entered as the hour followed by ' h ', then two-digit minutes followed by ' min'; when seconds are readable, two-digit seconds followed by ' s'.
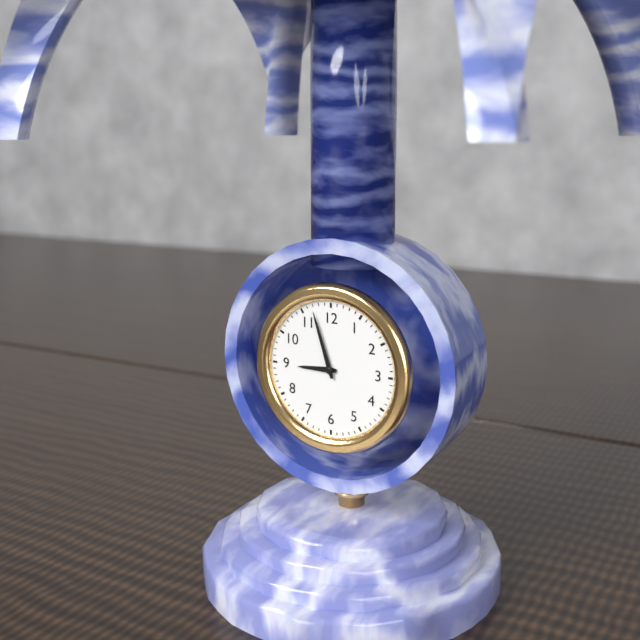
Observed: 8 h 57 min
